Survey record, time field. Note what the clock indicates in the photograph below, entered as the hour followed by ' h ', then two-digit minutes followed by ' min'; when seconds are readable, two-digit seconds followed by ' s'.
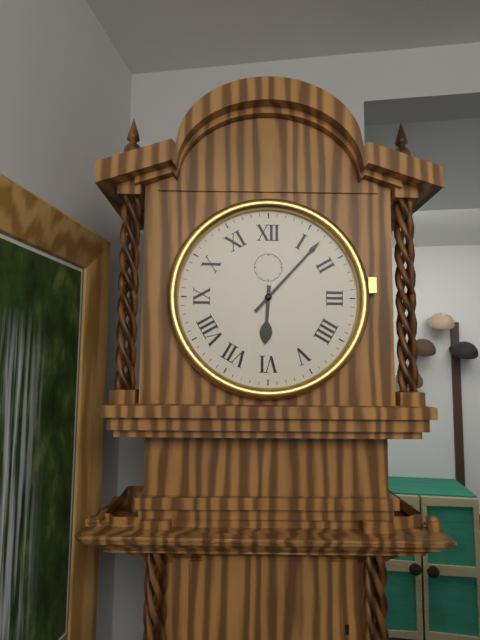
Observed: 6 h 07 min
